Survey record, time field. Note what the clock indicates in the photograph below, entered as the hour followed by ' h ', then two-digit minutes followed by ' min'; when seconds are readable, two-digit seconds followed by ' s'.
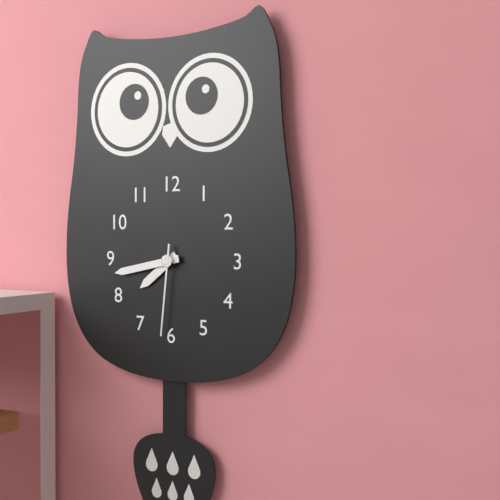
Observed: 7 h 43 min 31 s
